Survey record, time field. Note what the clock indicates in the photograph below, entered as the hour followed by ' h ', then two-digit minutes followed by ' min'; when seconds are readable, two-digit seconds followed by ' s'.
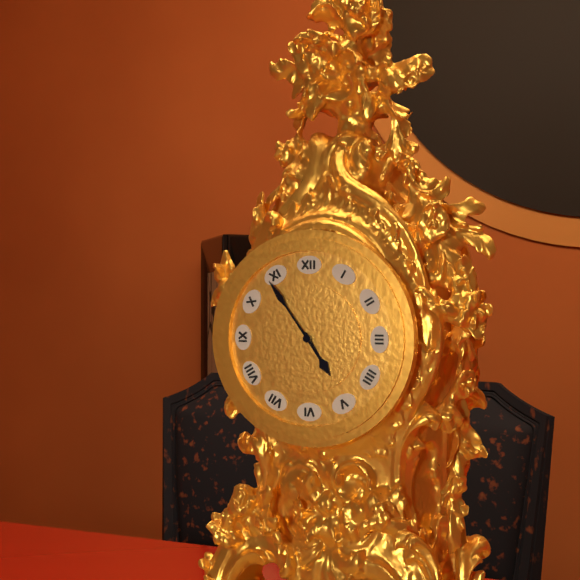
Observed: 4 h 54 min
